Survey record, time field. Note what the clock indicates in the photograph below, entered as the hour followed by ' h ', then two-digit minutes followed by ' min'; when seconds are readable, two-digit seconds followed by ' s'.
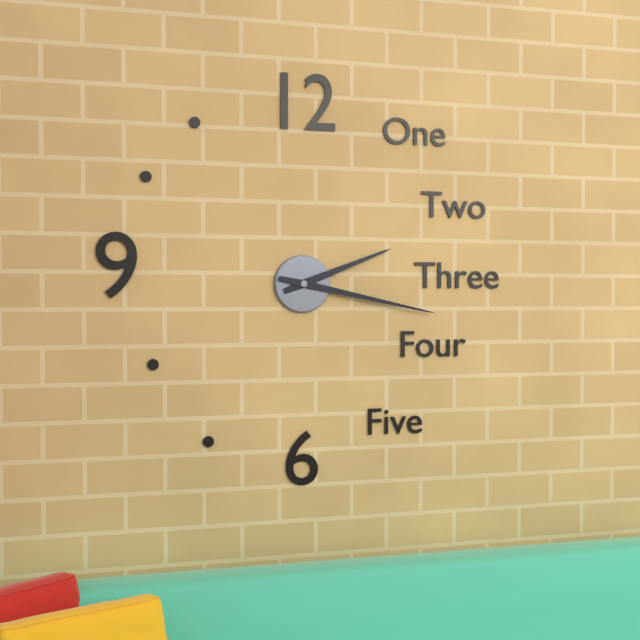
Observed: 2 h 17 min
